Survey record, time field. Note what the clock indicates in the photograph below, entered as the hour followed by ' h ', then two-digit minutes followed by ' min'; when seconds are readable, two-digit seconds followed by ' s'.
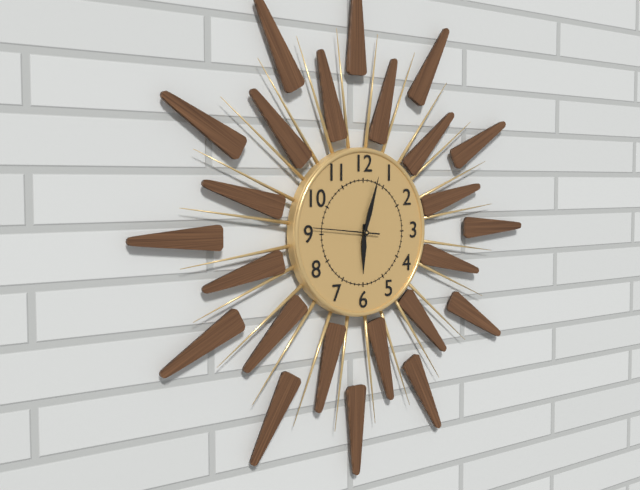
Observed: 6 h 03 min 46 s
